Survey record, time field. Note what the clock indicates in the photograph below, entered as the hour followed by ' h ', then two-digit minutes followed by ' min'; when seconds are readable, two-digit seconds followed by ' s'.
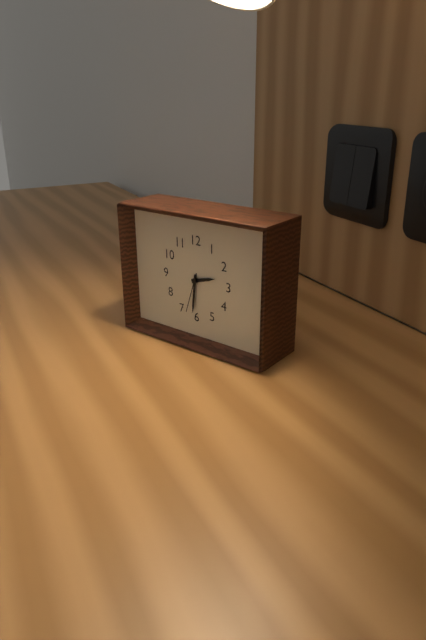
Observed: 2 h 31 min 33 s
